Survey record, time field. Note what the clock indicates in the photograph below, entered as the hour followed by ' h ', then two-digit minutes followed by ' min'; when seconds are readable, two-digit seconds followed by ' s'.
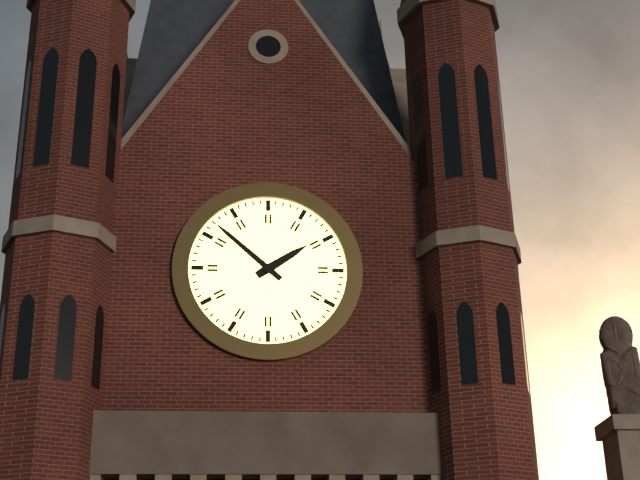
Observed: 1 h 52 min
